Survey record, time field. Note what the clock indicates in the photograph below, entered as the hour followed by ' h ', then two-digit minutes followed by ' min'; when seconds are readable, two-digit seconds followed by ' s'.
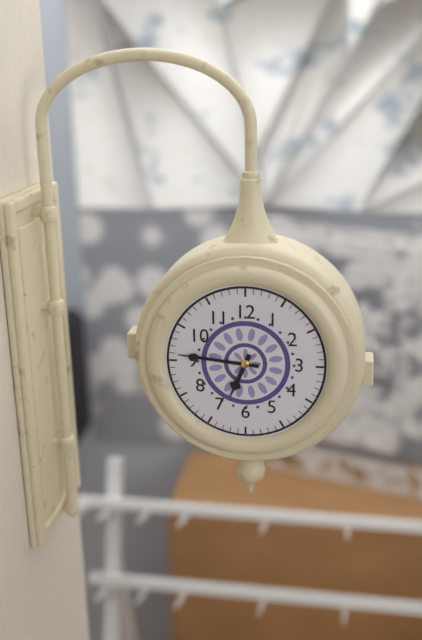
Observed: 6 h 46 min
